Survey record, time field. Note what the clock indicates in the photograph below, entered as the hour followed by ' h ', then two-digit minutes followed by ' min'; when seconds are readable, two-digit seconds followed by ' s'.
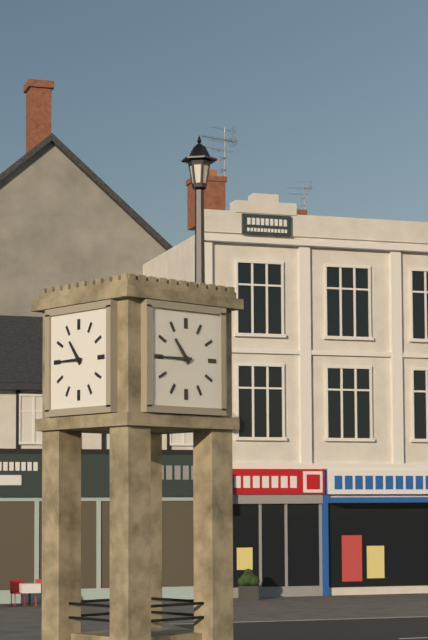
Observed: 10 h 45 min
